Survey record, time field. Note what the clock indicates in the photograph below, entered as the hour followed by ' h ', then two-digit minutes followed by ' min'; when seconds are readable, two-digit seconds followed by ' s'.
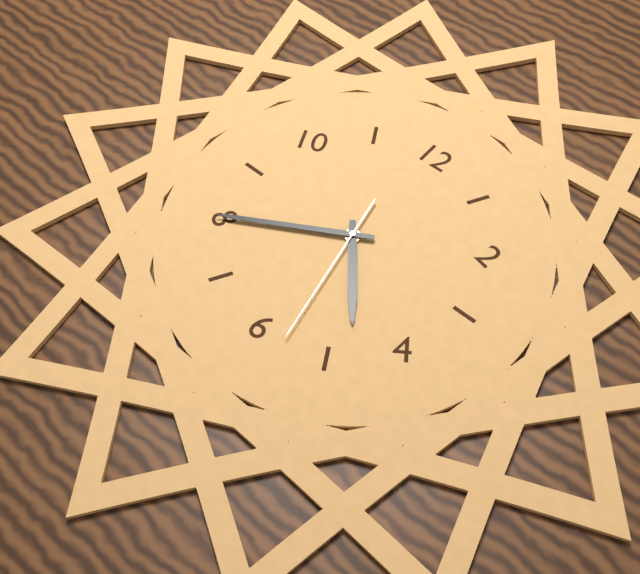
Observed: 4 h 40 min 28 s
